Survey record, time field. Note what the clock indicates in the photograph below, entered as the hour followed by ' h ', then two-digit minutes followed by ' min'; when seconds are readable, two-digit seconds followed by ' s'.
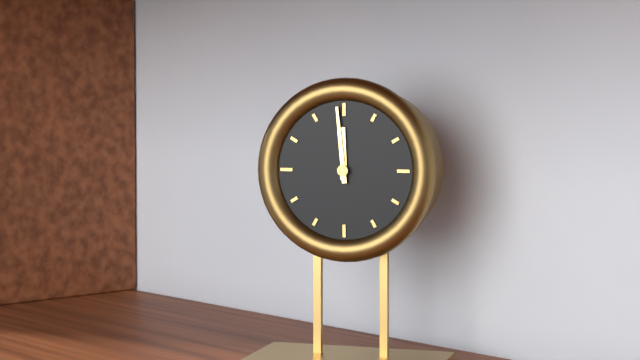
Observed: 11 h 59 min
